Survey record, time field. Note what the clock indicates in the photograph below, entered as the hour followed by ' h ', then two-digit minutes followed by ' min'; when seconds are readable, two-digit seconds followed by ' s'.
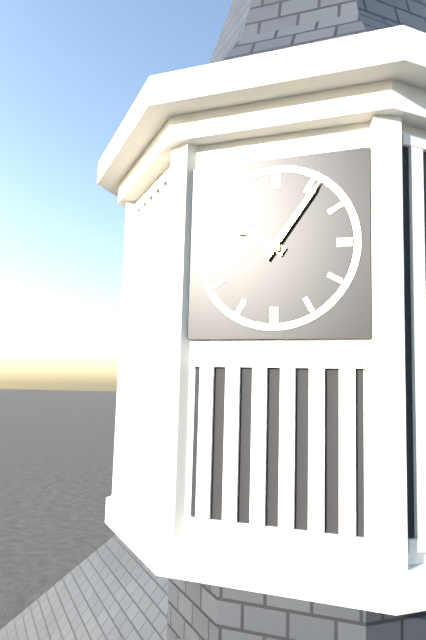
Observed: 10 h 06 min
